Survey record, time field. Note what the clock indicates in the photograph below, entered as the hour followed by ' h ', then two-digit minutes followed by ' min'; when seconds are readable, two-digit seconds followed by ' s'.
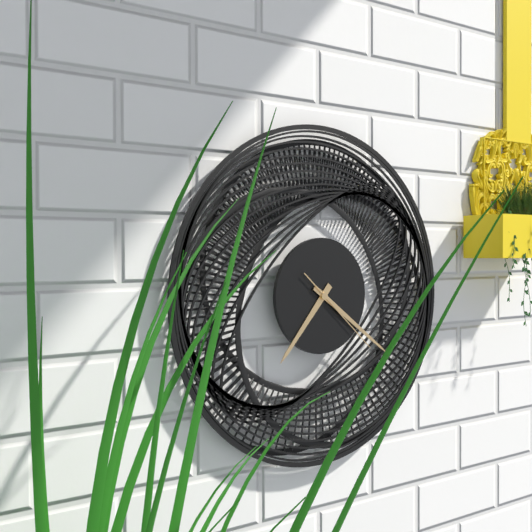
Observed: 7 h 21 min 22 s
